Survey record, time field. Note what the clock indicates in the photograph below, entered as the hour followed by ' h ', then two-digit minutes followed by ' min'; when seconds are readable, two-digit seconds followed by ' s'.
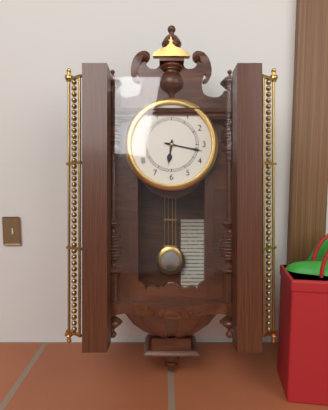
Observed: 6 h 17 min
